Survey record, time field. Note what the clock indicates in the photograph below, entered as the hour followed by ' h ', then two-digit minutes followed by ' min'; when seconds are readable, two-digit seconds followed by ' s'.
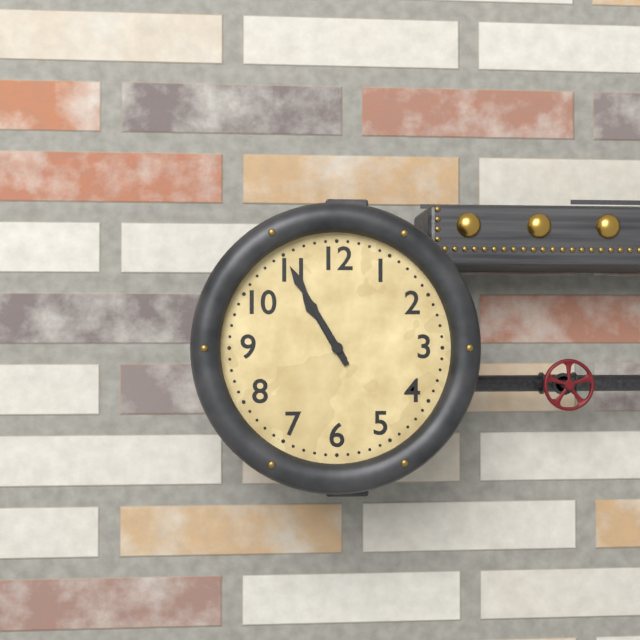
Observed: 10 h 55 min
